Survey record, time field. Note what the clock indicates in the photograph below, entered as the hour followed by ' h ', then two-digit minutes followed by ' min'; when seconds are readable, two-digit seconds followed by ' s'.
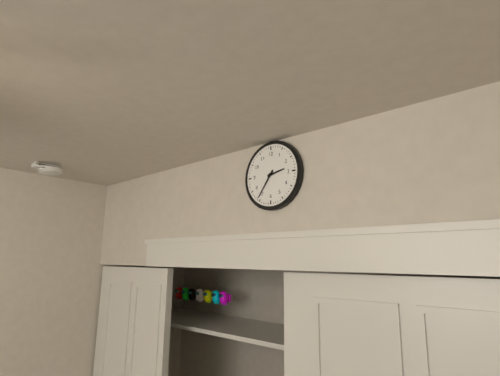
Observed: 2 h 36 min
